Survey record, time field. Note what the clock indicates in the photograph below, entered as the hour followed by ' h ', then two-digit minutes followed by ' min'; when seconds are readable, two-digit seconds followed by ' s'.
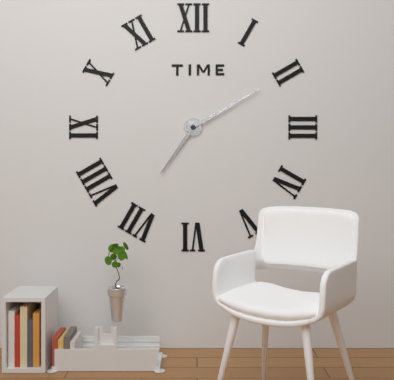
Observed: 7 h 10 min
